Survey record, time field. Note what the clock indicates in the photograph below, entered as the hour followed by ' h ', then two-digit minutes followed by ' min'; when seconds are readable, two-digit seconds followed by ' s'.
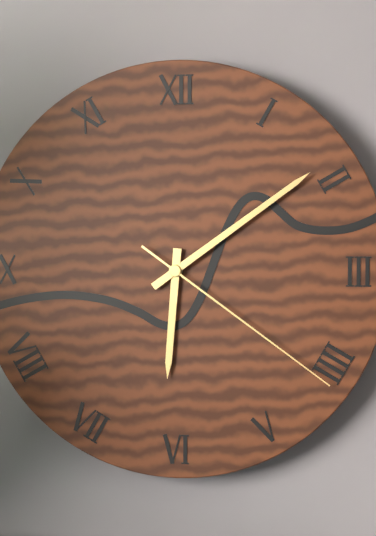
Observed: 6 h 09 min 21 s
